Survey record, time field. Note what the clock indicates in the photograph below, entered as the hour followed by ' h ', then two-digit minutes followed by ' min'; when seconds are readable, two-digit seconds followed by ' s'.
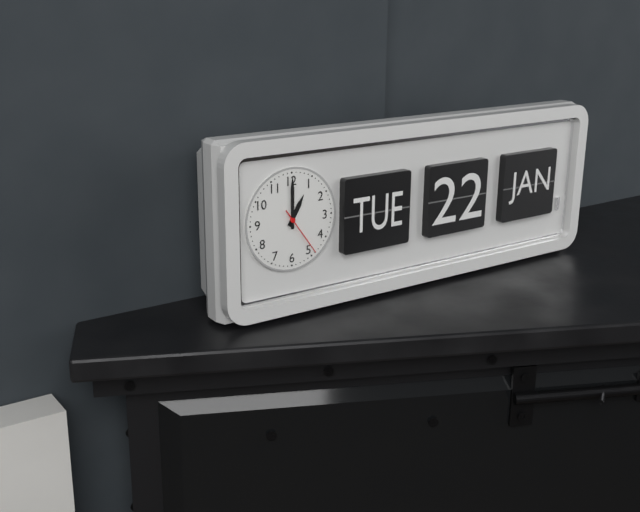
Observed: 1 h 00 min 24 s
